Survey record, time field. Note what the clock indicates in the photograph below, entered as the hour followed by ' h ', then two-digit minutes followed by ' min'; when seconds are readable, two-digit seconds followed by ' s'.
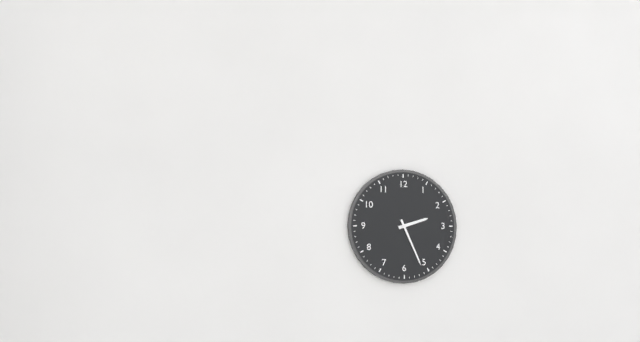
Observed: 2 h 26 min
